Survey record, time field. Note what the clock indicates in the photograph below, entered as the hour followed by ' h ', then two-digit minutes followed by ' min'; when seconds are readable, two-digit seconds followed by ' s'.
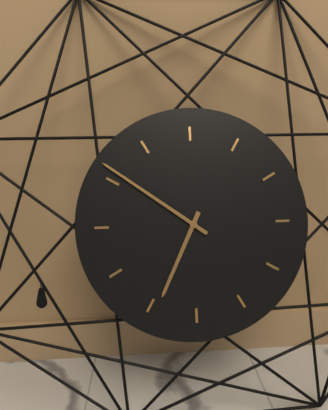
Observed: 6 h 51 min
